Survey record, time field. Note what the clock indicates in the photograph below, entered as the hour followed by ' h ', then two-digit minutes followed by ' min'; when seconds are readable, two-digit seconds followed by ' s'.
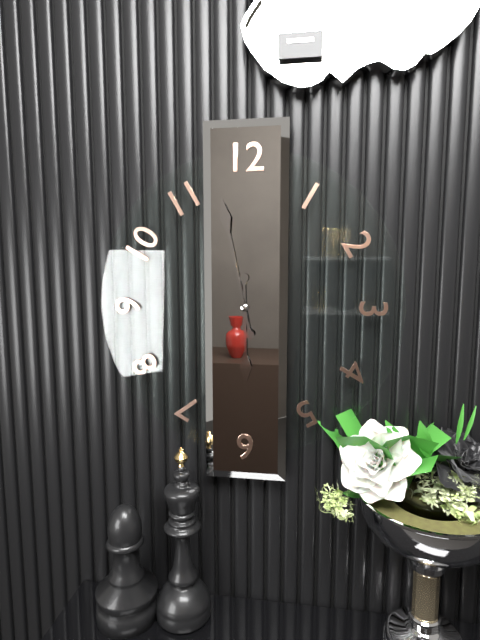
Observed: 5 h 58 min
